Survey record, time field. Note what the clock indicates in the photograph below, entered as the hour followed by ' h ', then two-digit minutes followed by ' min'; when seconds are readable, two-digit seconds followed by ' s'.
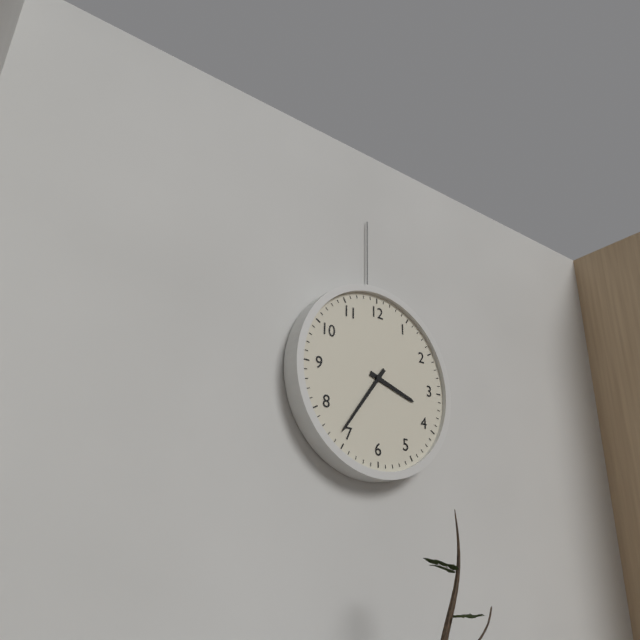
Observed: 3 h 36 min
